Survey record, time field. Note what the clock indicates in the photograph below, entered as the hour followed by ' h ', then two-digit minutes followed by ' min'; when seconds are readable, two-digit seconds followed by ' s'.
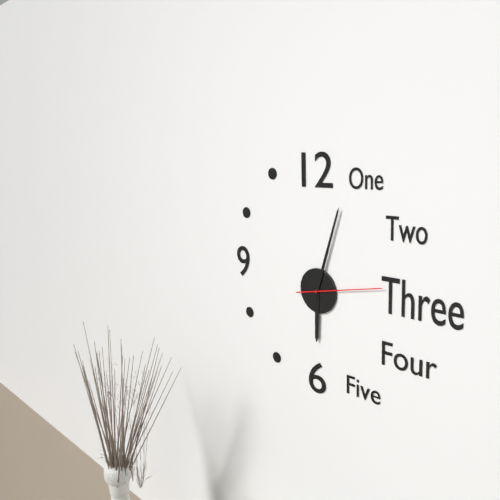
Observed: 6 h 03 min 13 s
